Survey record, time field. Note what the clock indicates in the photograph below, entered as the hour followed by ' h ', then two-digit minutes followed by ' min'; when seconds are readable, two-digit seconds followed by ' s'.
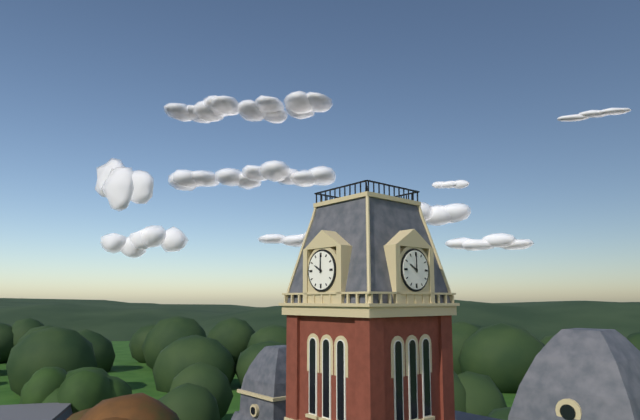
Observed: 10 h 00 min
